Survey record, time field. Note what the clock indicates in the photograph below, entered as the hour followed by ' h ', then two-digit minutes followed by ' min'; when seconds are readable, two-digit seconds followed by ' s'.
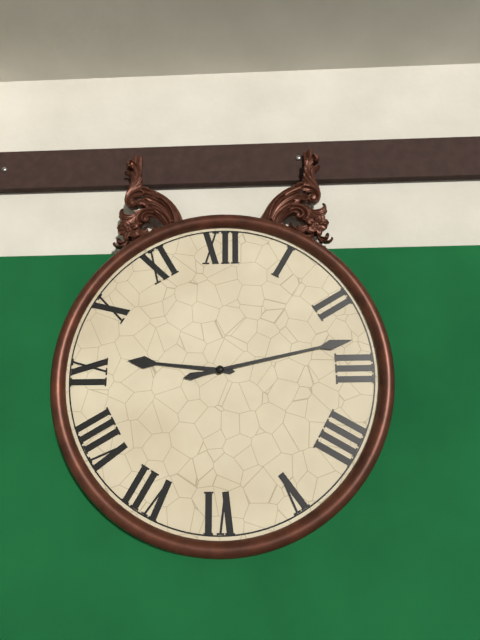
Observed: 9 h 13 min
